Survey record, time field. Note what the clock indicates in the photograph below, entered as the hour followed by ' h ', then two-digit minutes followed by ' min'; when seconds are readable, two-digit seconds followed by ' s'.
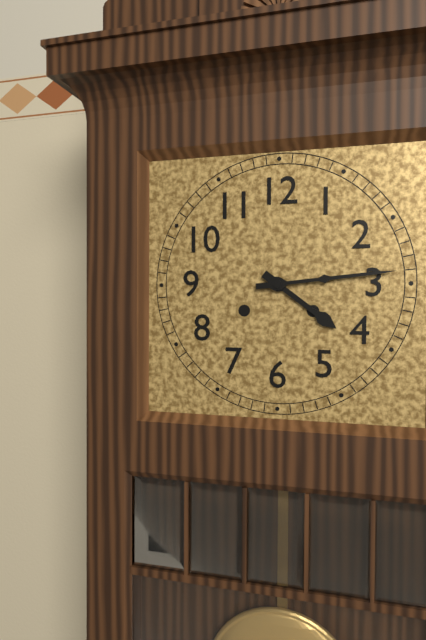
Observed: 4 h 14 min
